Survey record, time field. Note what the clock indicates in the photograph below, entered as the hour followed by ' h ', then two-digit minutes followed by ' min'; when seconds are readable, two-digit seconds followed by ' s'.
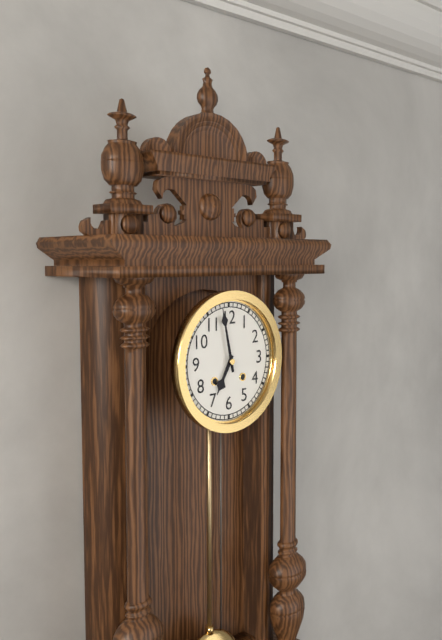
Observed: 6 h 58 min
